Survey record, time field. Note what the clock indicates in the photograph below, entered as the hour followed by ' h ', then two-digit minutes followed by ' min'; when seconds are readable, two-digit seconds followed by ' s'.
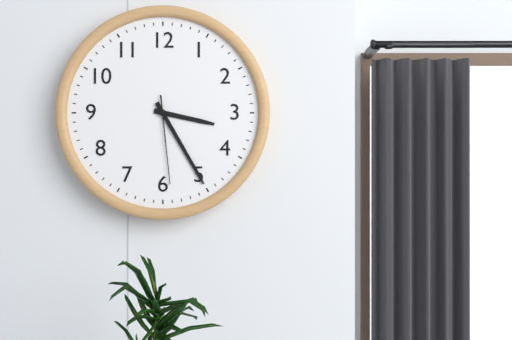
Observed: 3 h 25 min 29 s
